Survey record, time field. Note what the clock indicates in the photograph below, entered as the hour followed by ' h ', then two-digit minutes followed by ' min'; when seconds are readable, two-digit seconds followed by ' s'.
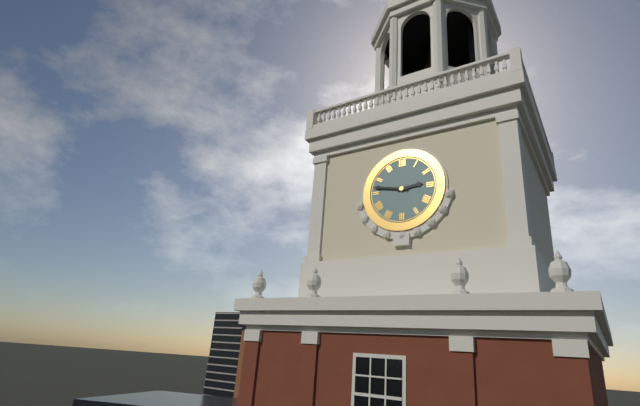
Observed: 2 h 47 min
